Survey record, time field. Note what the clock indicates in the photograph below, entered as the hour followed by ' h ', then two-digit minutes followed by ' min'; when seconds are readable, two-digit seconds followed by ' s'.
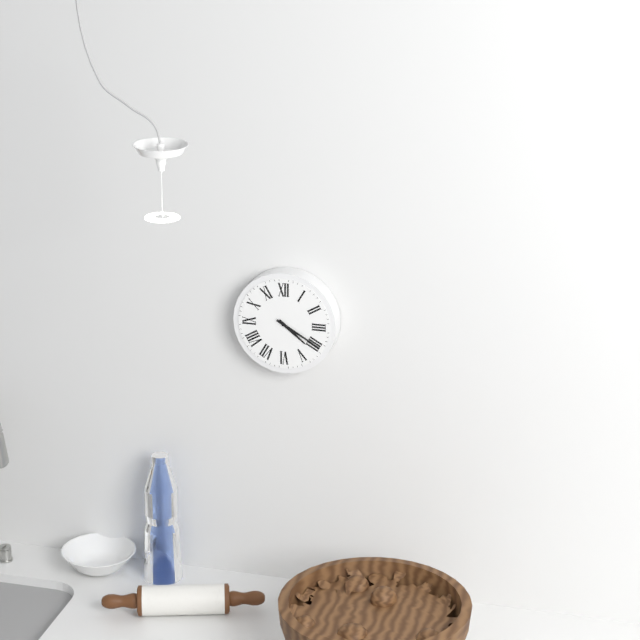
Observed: 4 h 20 min
